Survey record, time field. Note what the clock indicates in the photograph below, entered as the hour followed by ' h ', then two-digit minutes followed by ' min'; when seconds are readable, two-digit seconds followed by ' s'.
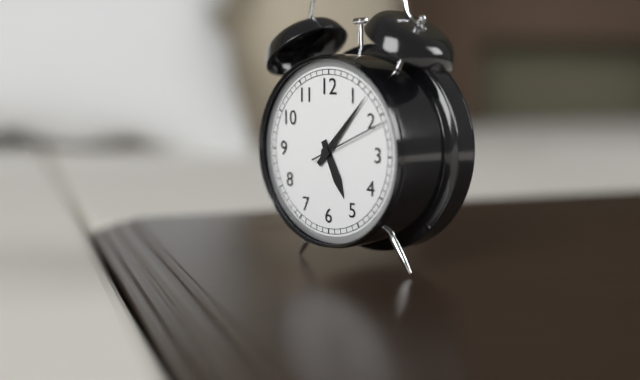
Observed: 5 h 07 min 11 s
